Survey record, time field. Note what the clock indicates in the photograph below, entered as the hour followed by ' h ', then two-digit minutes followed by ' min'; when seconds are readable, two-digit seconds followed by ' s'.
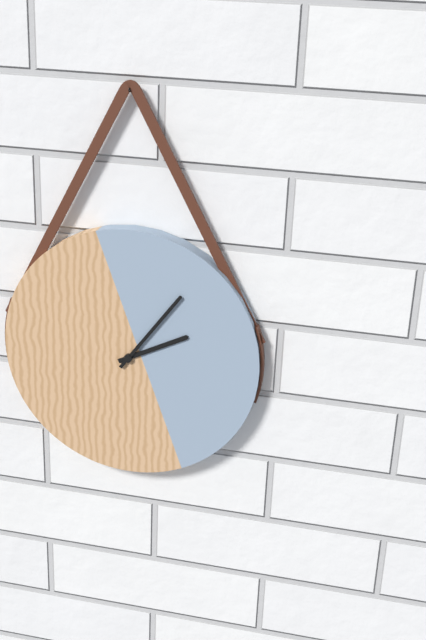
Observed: 2 h 06 min
